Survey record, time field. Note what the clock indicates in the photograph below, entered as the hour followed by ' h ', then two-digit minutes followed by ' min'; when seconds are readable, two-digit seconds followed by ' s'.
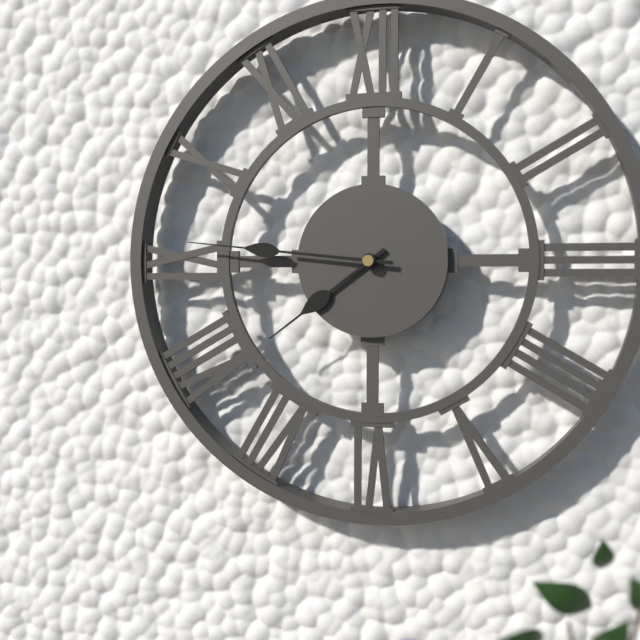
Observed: 7 h 46 min
